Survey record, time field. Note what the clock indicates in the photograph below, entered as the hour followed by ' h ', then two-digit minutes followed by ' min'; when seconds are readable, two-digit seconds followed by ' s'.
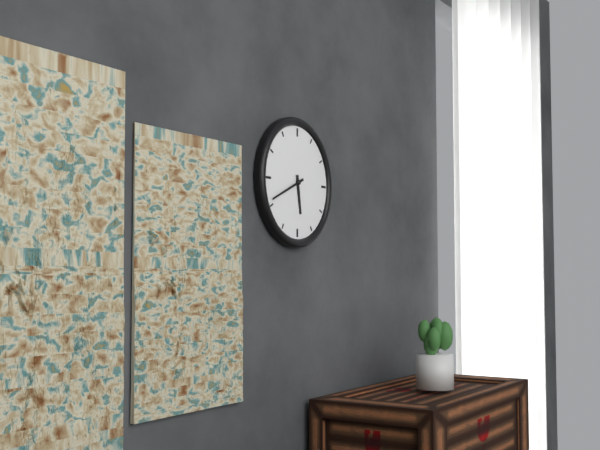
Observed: 5 h 41 min
